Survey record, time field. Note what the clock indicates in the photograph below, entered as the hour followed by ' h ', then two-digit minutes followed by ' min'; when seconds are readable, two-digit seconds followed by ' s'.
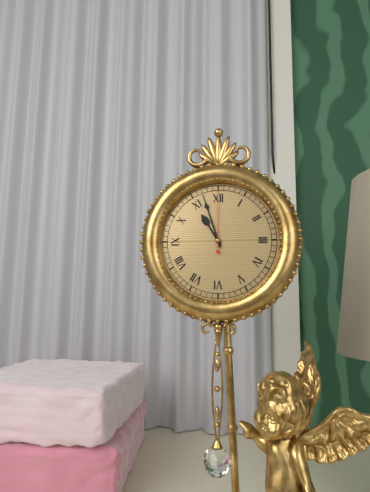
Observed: 10 h 57 min 00 s
